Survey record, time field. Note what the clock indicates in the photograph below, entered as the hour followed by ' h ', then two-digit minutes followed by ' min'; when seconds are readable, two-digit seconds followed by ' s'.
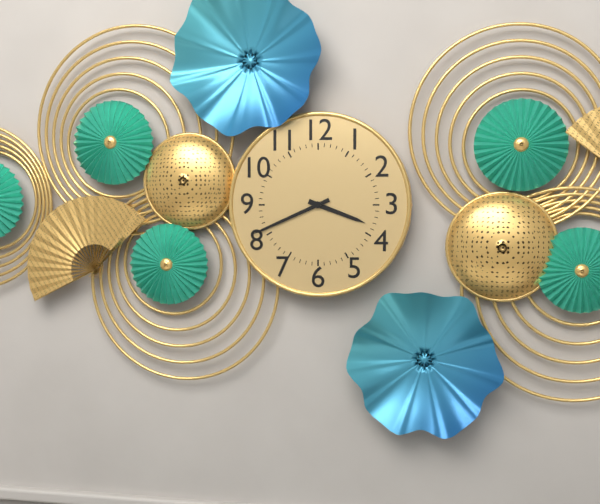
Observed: 3 h 41 min
